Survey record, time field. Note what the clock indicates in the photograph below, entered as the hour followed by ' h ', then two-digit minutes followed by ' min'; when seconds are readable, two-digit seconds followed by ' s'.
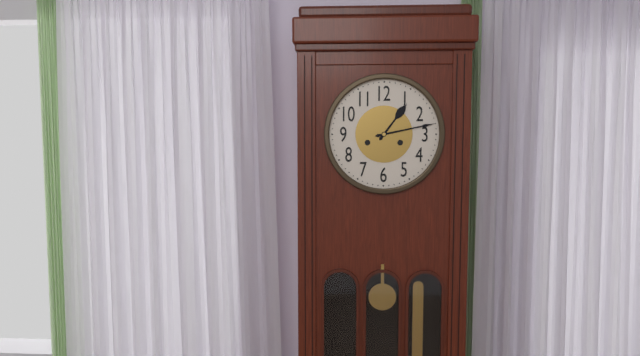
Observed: 1 h 13 min
